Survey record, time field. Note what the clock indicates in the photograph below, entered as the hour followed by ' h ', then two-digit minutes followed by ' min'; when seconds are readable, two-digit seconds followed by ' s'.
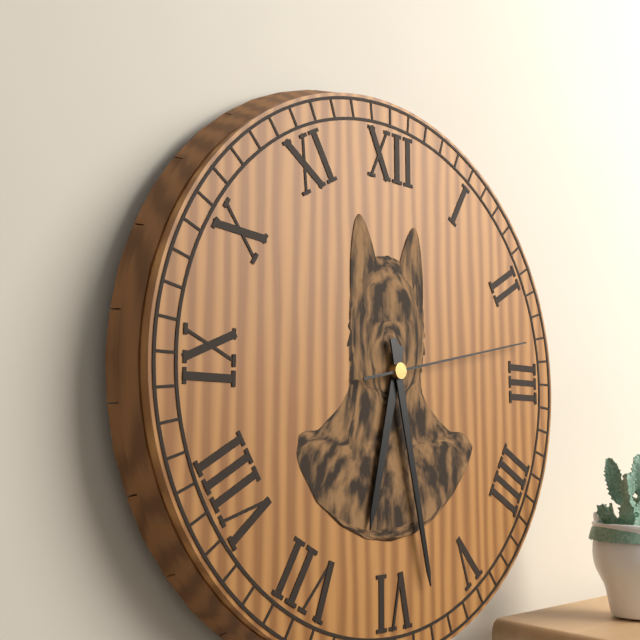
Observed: 6 h 28 min 13 s
